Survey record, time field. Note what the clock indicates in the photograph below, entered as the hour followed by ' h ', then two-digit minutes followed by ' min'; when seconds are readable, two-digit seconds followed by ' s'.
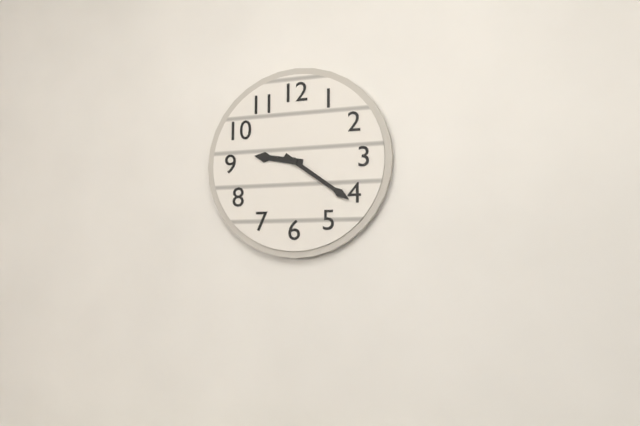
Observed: 9 h 21 min
